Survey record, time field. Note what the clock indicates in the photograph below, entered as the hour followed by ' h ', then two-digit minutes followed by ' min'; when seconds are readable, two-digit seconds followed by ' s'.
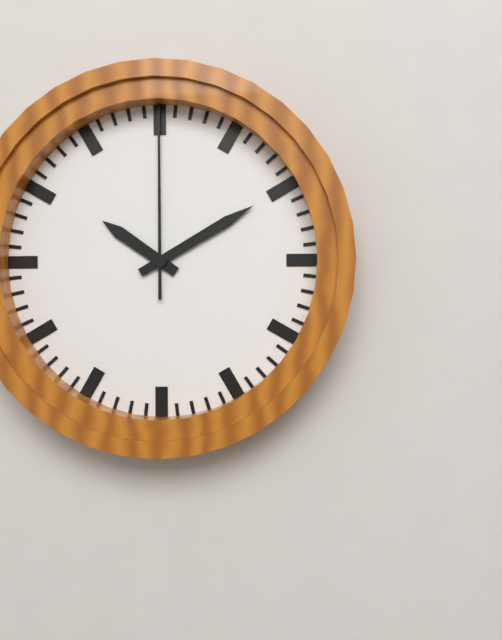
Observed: 10 h 10 min 00 s
